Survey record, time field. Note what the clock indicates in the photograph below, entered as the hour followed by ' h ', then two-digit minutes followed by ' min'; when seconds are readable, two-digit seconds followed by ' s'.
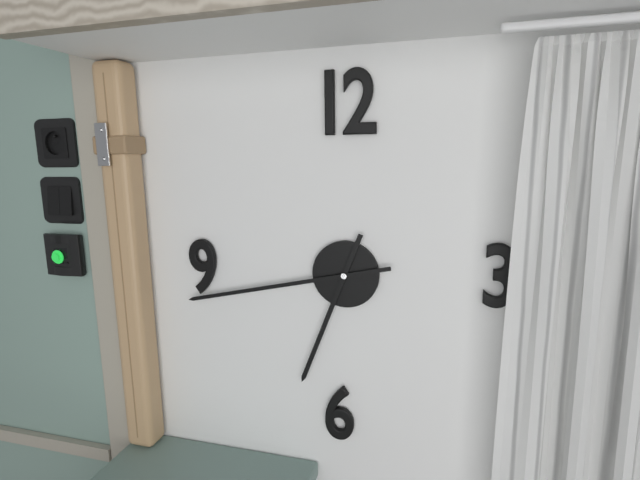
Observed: 6 h 43 min
